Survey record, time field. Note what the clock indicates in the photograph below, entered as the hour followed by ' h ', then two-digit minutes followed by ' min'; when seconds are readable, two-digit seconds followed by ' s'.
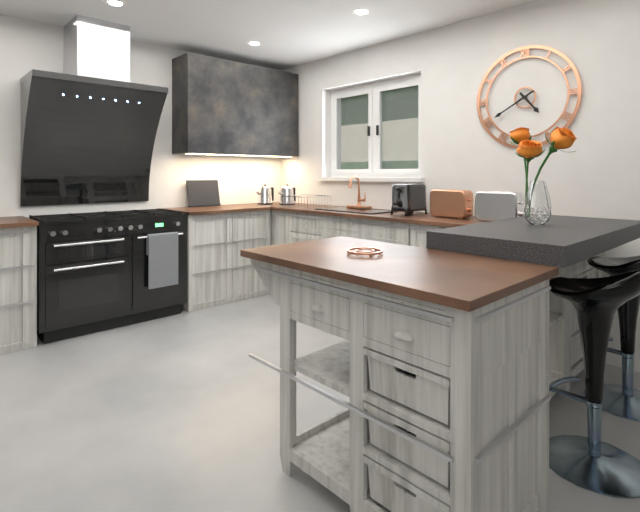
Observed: 4 h 40 min
